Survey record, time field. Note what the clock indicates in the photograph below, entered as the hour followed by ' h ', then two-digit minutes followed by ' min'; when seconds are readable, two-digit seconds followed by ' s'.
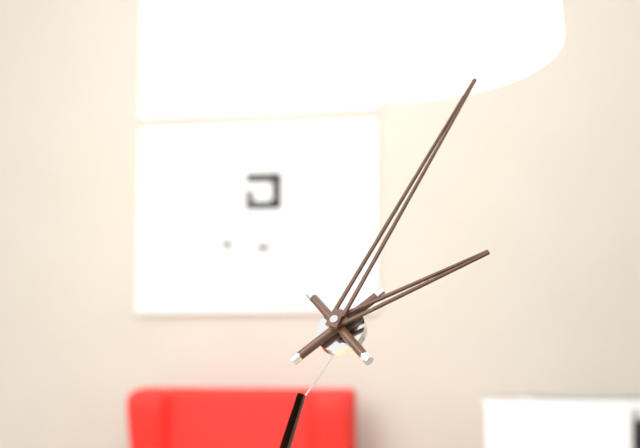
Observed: 2 h 03 min
